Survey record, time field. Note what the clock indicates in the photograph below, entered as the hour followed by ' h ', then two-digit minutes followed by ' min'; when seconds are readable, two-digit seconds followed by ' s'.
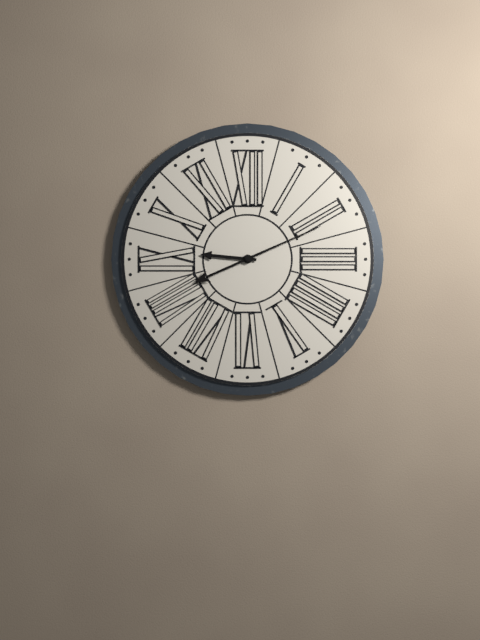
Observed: 9 h 11 min
